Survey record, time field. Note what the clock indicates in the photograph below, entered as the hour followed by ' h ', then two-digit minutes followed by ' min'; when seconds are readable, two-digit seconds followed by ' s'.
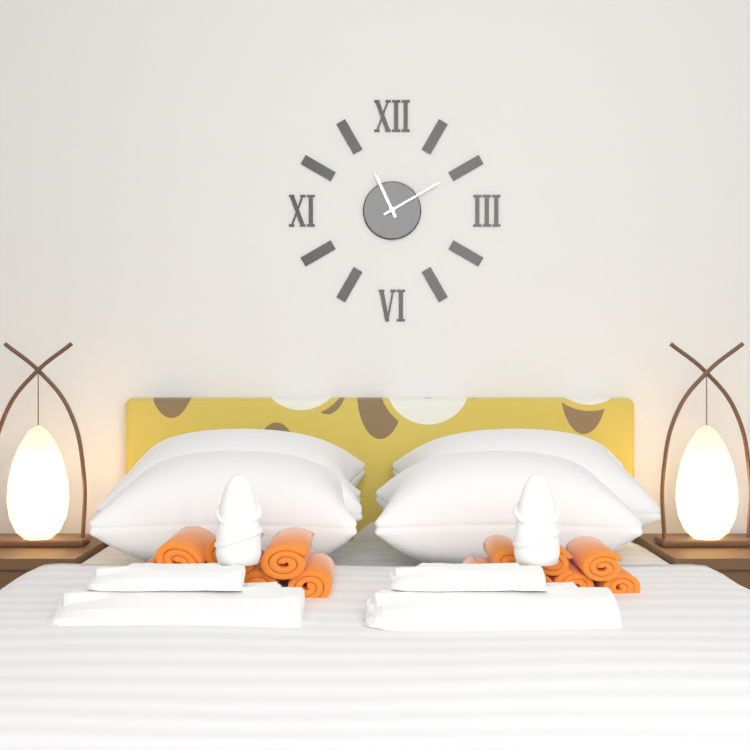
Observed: 11 h 10 min
